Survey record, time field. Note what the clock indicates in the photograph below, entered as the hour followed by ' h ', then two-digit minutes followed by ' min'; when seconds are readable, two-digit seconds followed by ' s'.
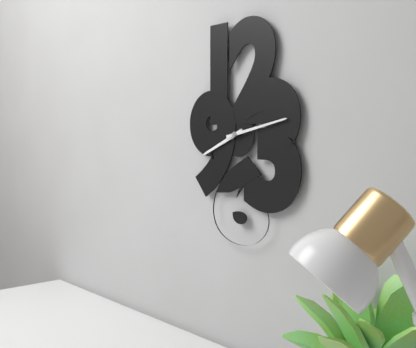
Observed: 8 h 13 min
